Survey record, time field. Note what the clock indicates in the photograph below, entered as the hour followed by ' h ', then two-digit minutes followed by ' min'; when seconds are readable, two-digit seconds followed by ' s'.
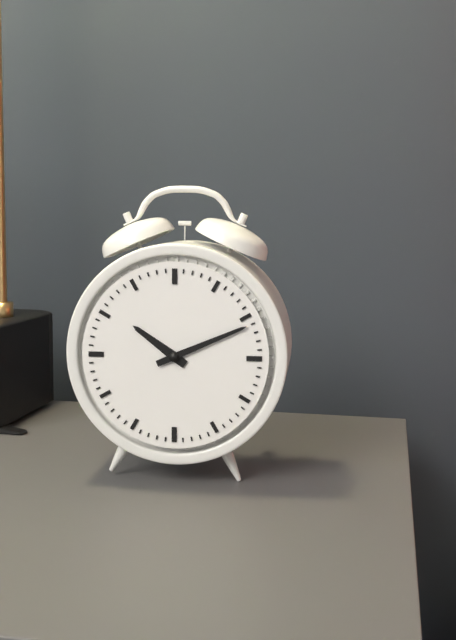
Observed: 10 h 11 min
